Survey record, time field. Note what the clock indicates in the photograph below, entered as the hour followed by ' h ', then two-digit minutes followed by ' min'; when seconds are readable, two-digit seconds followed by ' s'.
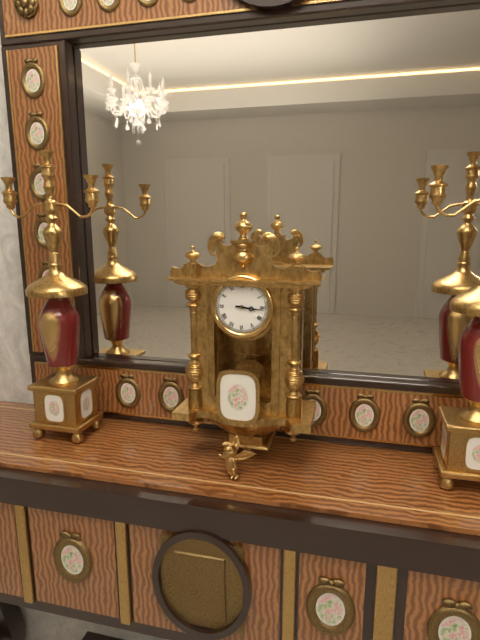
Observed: 3 h 16 min
